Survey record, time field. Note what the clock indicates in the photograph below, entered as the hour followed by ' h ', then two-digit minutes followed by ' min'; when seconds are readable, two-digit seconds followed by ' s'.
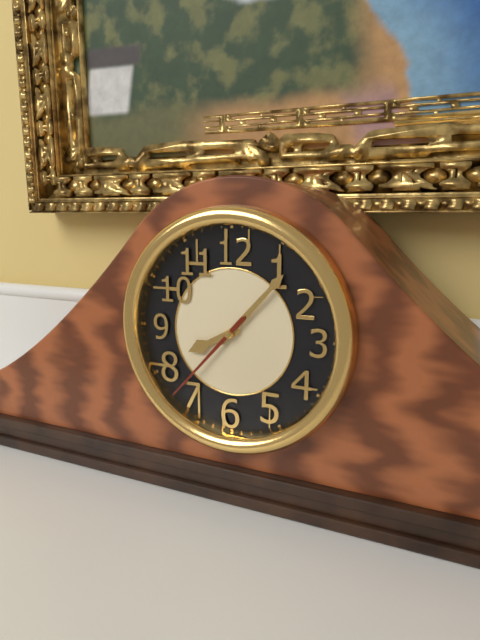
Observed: 8 h 07 min 37 s
